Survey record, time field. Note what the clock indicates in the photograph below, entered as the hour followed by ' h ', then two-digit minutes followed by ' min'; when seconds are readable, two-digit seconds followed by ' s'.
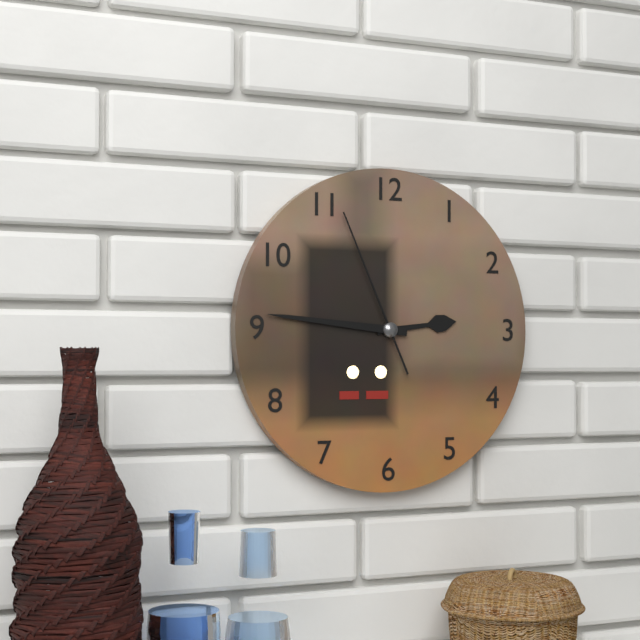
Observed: 2 h 46 min 56 s
